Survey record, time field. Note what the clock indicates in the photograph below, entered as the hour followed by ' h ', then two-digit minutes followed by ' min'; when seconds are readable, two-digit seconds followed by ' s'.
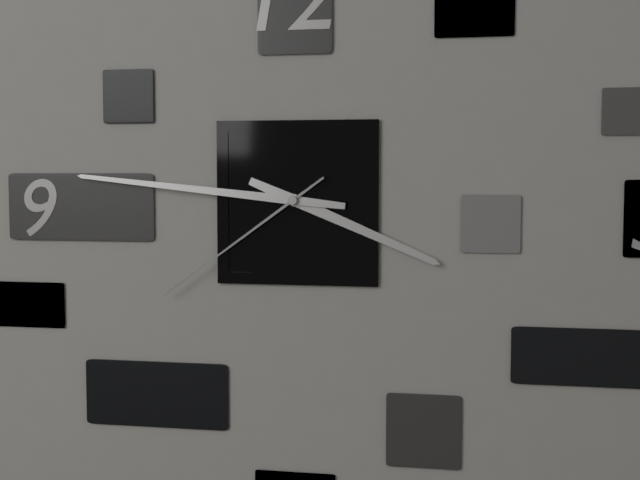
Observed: 3 h 46 min 39 s
